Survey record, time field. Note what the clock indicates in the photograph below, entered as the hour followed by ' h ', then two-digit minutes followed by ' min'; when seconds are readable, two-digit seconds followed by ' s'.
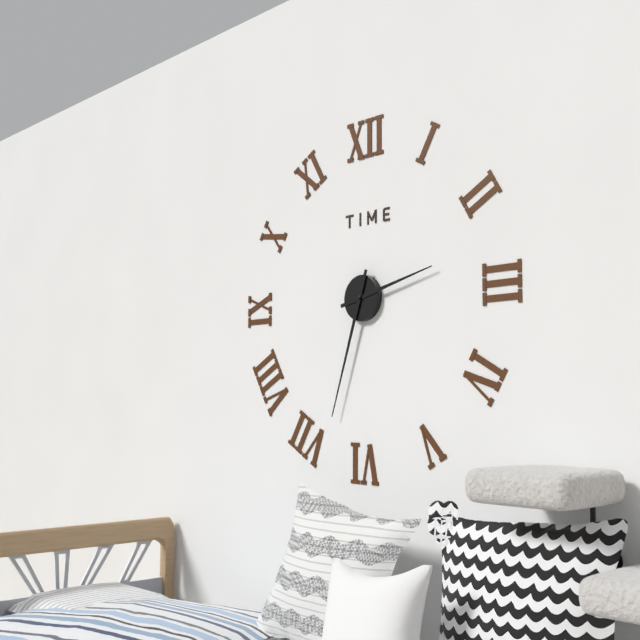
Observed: 2 h 33 min
